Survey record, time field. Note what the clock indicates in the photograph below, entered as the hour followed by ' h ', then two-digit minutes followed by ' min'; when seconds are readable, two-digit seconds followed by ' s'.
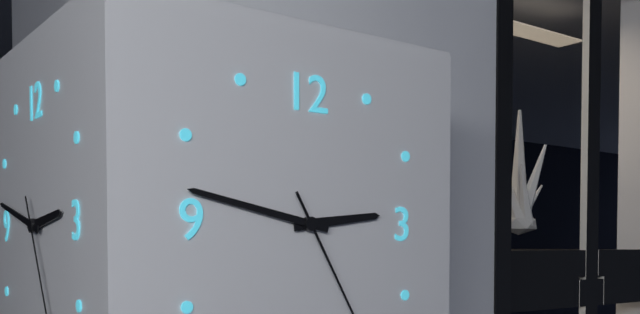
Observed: 2 h 47 min
